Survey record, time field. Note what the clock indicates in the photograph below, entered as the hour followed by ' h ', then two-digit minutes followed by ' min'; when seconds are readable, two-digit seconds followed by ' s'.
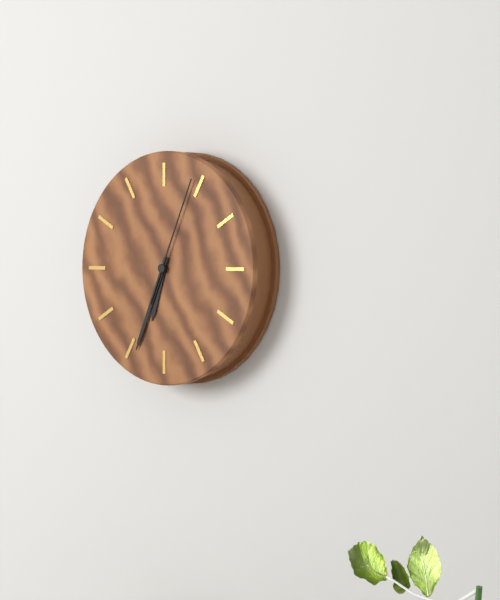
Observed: 6 h 34 min 04 s
